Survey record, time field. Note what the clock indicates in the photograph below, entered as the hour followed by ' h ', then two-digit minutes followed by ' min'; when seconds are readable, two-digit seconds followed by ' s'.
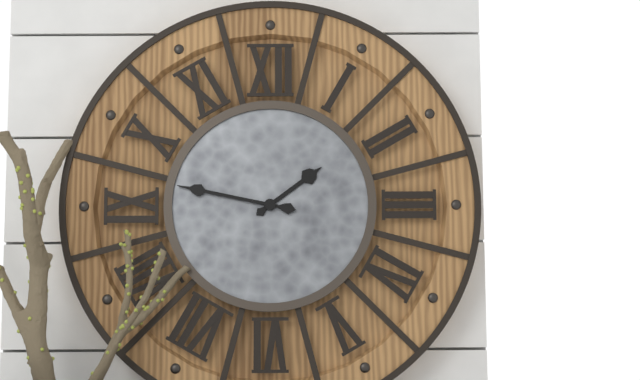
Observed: 1 h 47 min
